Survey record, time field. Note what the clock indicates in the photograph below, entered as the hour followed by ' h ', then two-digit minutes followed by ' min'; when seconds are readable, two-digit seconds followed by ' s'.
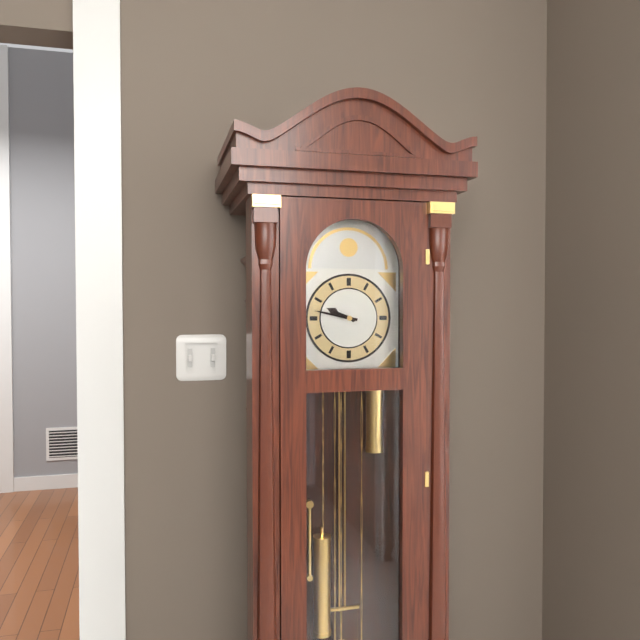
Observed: 9 h 47 min
